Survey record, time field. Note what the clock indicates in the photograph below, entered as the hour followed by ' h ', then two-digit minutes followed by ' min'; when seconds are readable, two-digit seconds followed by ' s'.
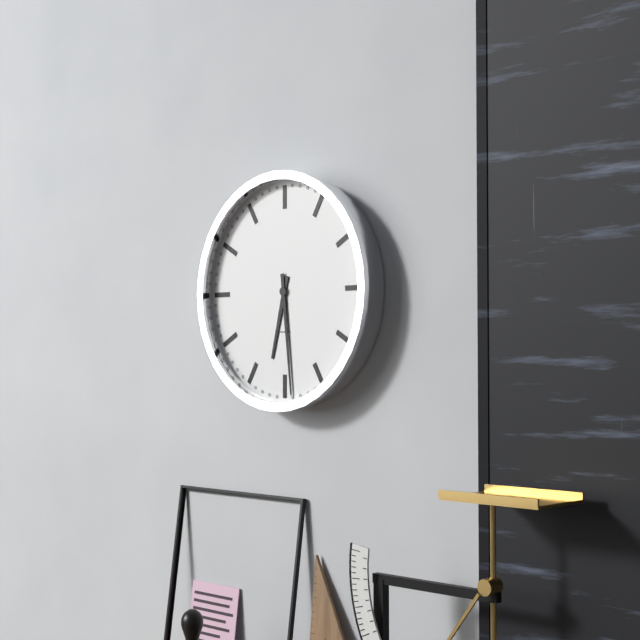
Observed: 6 h 29 min
